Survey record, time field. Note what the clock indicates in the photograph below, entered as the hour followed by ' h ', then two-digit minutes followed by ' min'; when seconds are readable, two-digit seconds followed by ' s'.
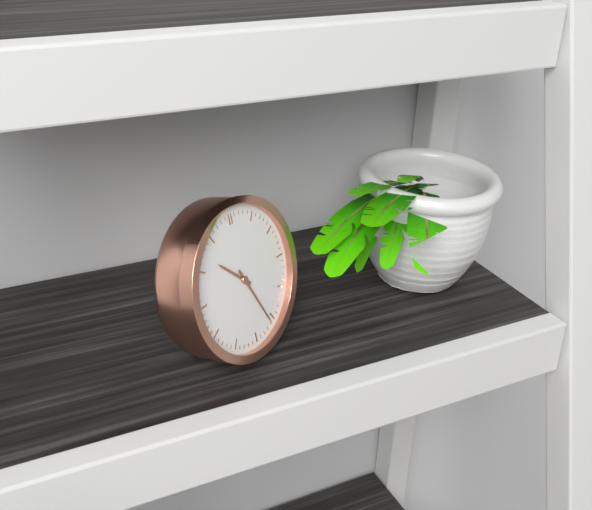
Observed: 10 h 26 min
